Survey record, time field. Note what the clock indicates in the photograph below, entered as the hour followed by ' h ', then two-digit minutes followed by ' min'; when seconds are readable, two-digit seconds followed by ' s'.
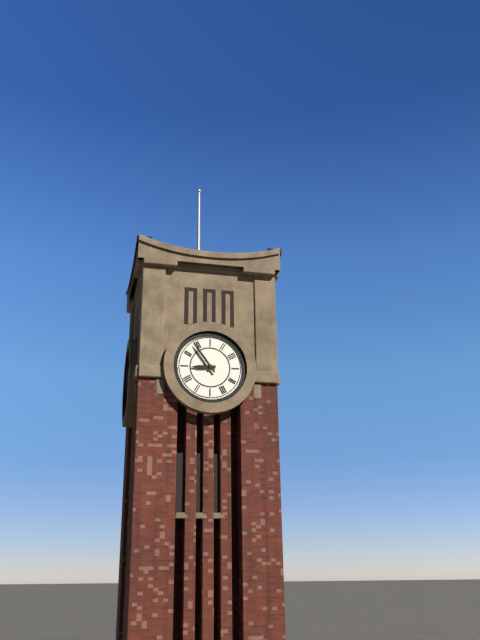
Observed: 8 h 54 min
